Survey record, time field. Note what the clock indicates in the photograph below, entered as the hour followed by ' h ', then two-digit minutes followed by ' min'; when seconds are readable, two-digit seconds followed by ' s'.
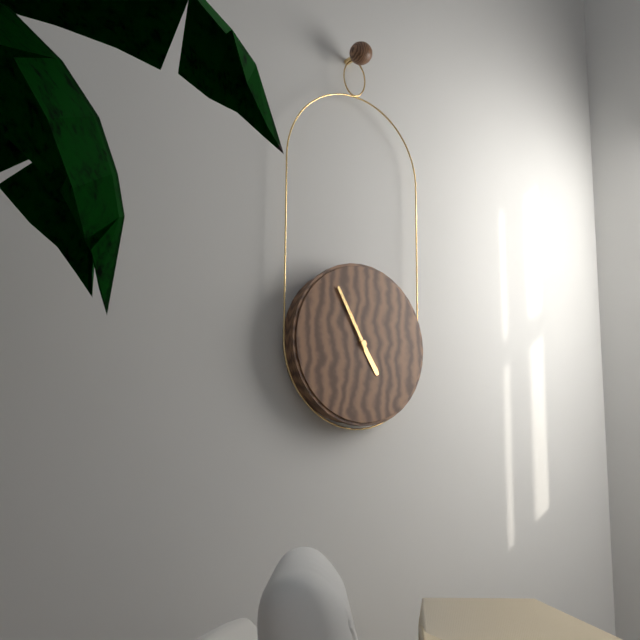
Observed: 4 h 55 min
